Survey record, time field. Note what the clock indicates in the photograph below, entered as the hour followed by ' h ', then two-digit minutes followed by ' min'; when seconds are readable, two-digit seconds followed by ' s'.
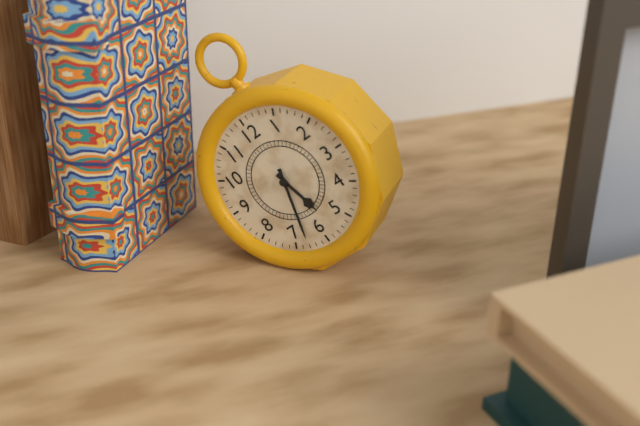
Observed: 5 h 33 min
